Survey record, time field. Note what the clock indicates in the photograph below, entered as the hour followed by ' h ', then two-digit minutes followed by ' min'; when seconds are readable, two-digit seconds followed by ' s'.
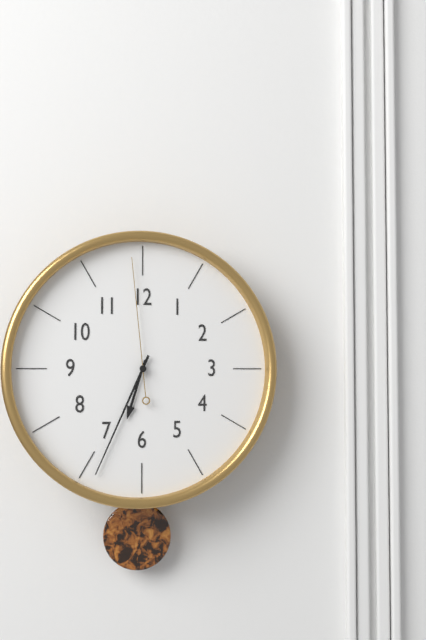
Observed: 6 h 34 min 59 s
